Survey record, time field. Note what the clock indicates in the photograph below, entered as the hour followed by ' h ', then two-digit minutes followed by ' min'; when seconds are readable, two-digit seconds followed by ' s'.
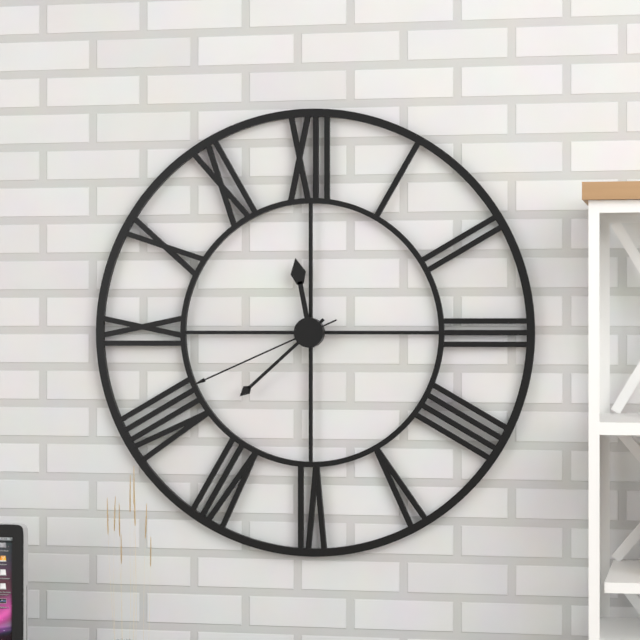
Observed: 11 h 38 min 41 s
